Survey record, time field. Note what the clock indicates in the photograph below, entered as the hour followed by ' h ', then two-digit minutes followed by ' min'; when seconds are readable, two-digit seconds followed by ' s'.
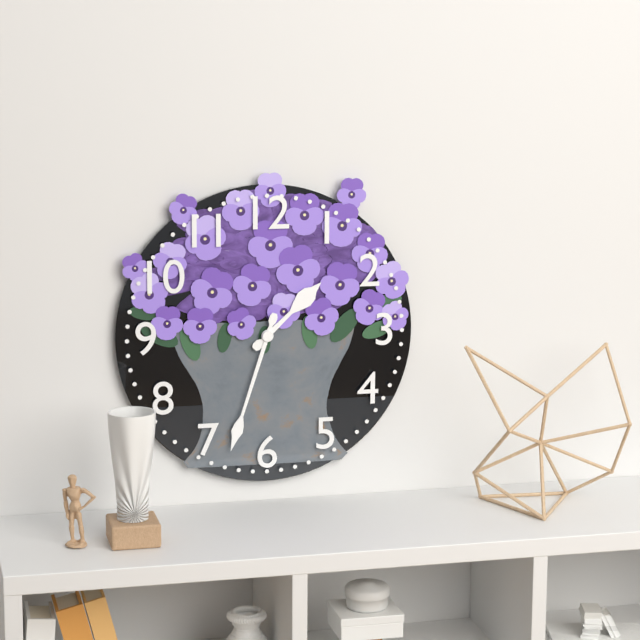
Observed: 1 h 33 min
